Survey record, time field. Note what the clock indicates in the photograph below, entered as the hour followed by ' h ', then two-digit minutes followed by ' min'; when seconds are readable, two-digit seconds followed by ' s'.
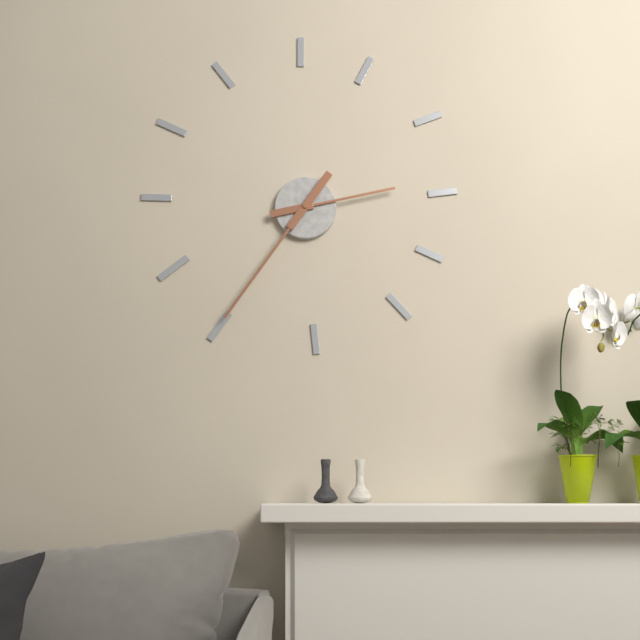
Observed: 2 h 36 min
